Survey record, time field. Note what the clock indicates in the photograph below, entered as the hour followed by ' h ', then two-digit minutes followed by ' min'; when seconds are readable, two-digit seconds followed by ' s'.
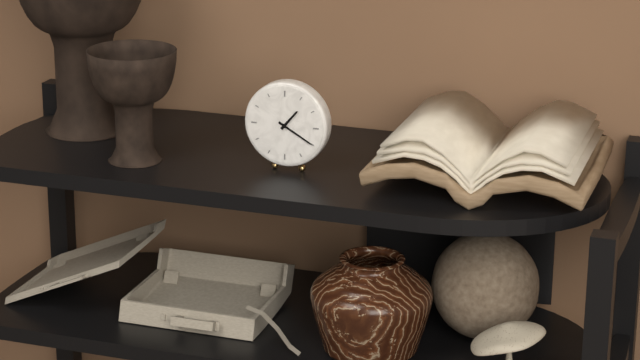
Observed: 1 h 20 min
